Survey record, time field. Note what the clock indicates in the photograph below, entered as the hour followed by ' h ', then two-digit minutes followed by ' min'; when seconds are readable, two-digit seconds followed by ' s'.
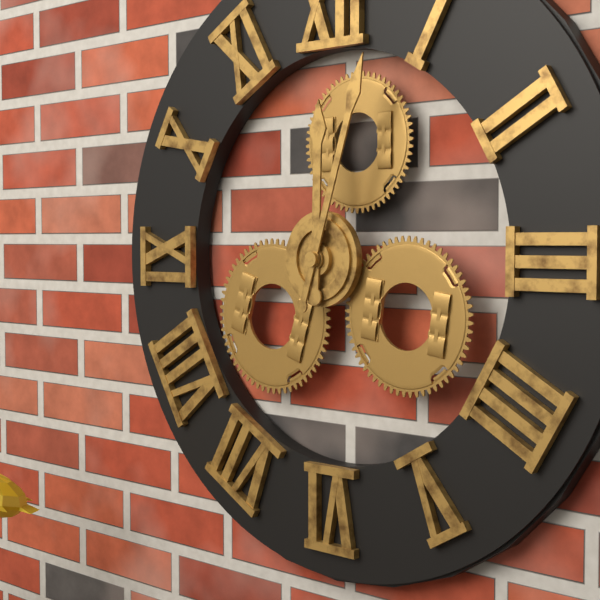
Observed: 12 h 03 min
